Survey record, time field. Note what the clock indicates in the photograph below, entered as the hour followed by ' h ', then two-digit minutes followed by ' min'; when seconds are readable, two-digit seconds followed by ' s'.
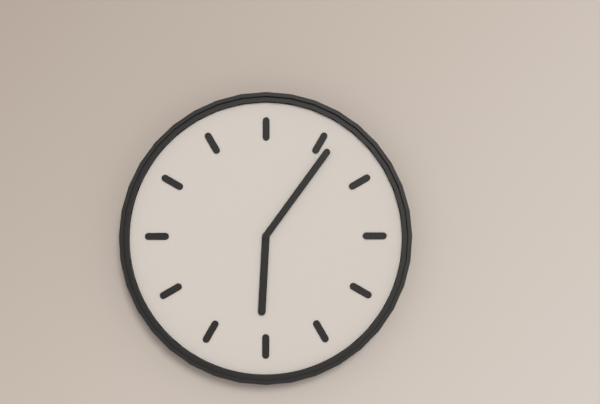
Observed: 6 h 06 min
